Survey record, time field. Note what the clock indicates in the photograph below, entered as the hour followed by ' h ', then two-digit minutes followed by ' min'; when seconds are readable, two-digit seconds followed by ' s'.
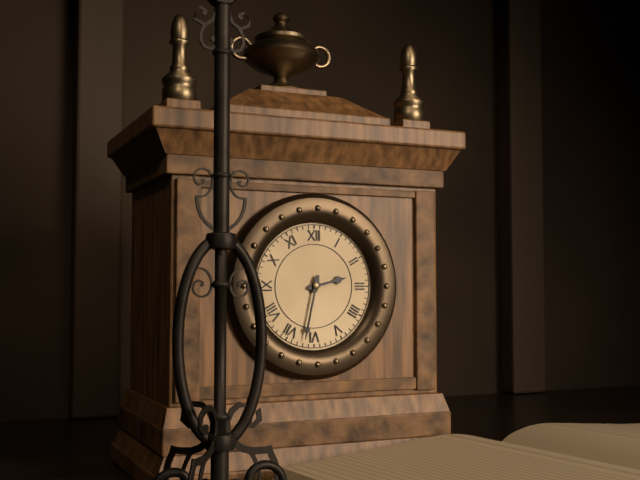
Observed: 2 h 32 min
